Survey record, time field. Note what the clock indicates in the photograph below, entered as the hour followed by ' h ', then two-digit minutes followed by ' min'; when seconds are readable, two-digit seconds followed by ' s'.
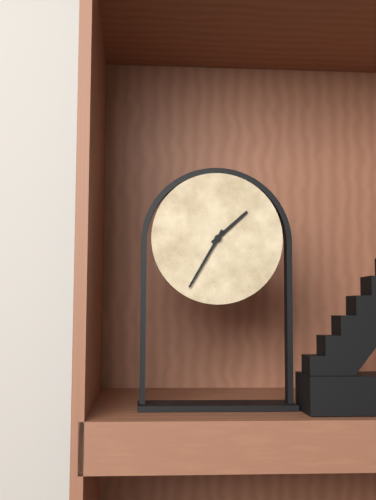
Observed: 1 h 35 min
